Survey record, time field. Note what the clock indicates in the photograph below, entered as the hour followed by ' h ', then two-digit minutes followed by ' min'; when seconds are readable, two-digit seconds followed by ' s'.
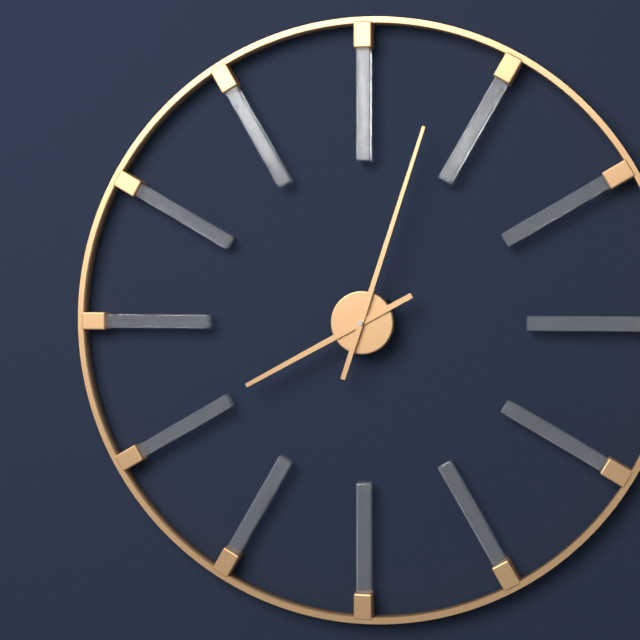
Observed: 8 h 03 min
